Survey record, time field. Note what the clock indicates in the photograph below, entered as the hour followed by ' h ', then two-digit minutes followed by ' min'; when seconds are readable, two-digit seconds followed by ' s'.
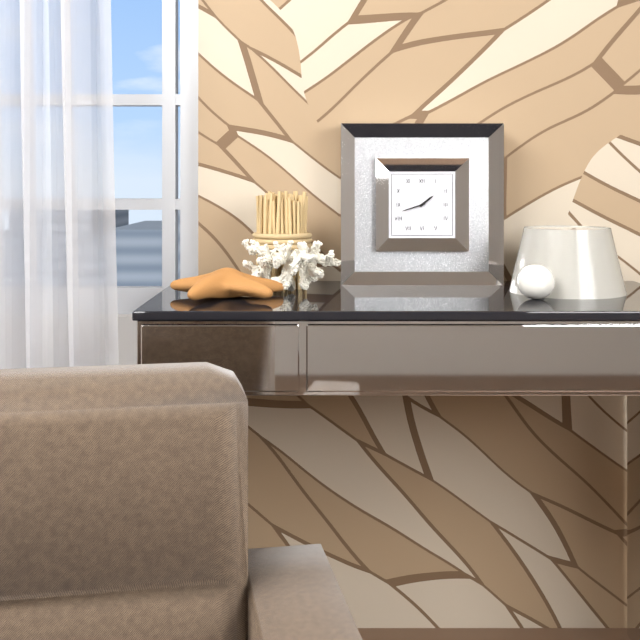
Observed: 1 h 42 min
